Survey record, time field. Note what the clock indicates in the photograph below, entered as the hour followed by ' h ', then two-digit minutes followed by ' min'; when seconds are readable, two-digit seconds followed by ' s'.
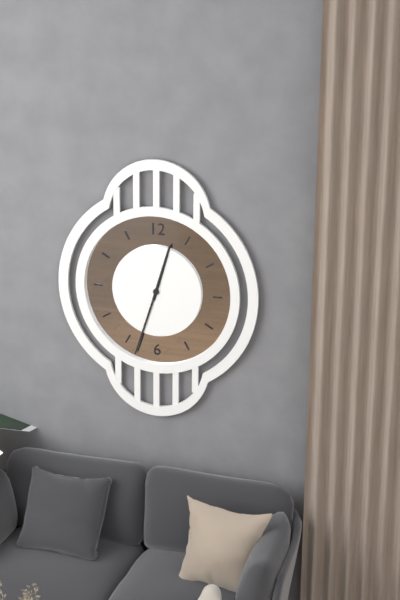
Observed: 12 h 33 min
